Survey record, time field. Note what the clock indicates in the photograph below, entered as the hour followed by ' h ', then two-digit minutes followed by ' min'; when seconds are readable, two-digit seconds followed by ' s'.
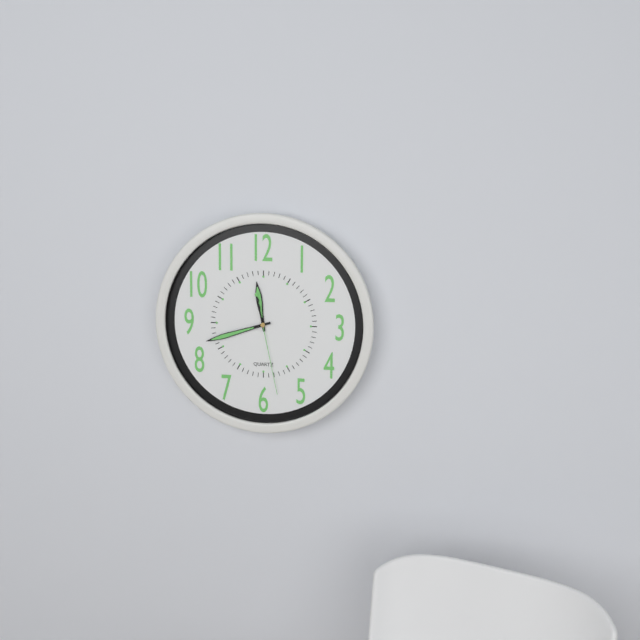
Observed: 11 h 42 min 28 s
